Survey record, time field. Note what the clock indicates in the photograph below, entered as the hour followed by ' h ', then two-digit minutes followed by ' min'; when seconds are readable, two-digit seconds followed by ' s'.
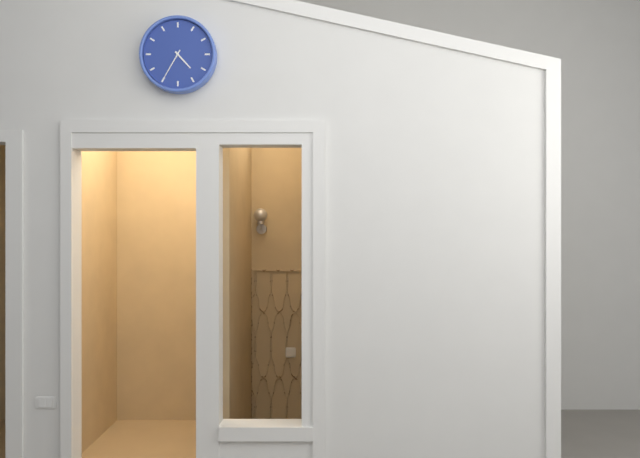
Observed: 4 h 35 min
